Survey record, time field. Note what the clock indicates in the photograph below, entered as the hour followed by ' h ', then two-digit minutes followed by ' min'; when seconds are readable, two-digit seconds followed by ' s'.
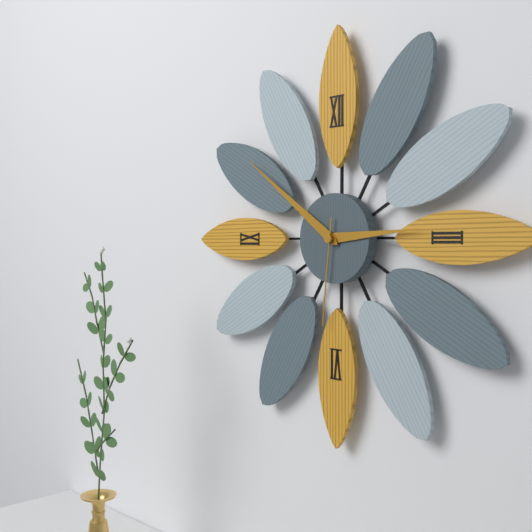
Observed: 2 h 51 min 31 s
